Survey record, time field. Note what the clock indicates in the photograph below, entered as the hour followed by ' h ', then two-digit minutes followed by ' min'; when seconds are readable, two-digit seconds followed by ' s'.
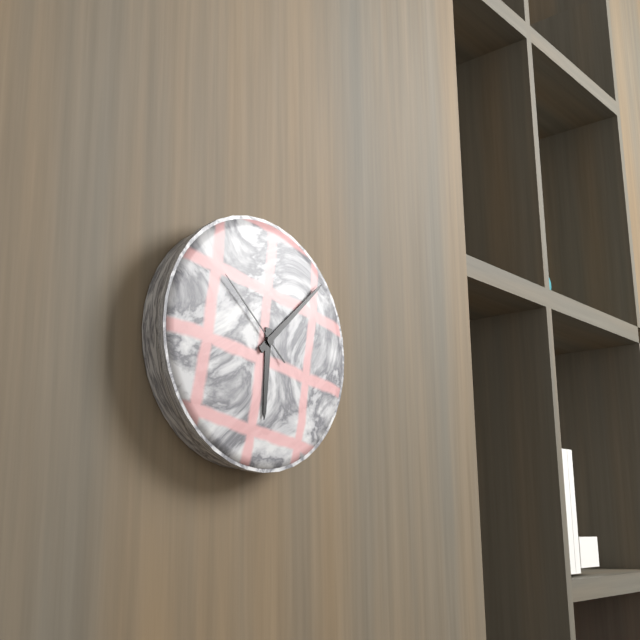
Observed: 6 h 08 min 52 s
